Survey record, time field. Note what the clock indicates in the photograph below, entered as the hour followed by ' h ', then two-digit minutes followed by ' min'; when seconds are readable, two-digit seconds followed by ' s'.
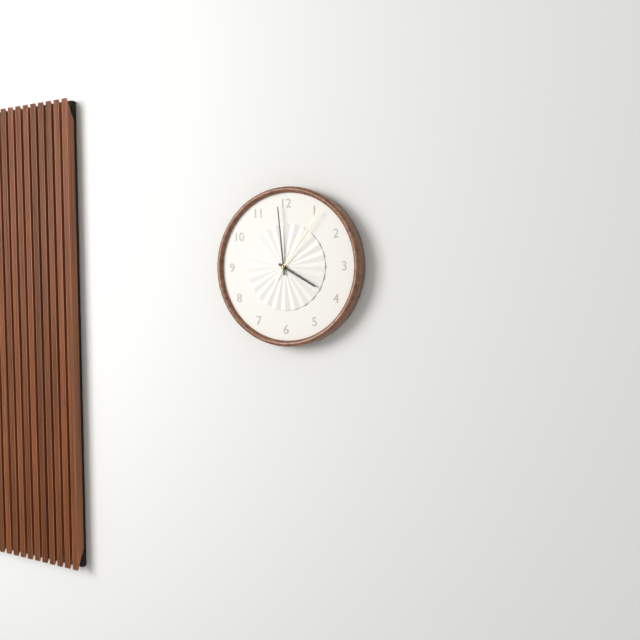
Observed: 3 h 59 min 06 s
